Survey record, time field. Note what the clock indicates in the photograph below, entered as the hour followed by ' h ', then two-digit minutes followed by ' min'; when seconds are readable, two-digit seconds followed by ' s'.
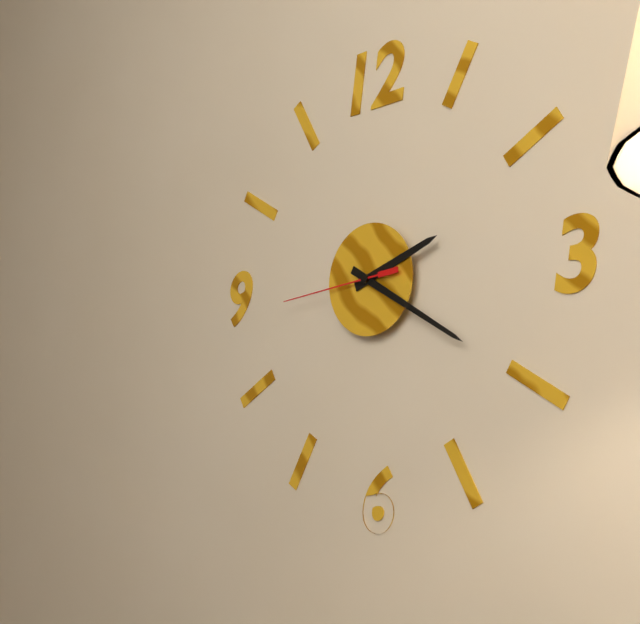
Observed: 2 h 20 min 44 s
